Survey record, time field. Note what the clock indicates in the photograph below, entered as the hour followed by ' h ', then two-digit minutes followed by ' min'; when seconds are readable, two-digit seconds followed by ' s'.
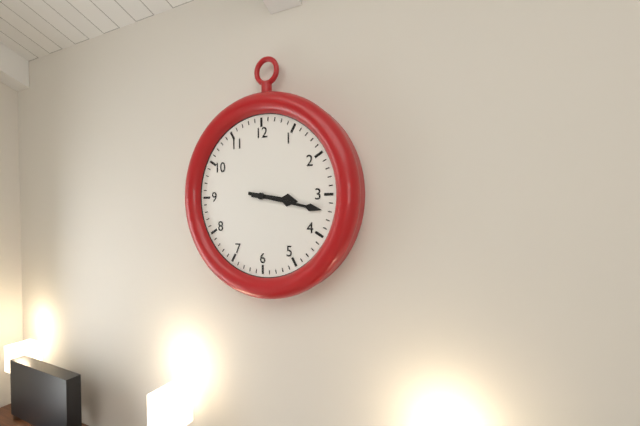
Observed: 3 h 17 min
